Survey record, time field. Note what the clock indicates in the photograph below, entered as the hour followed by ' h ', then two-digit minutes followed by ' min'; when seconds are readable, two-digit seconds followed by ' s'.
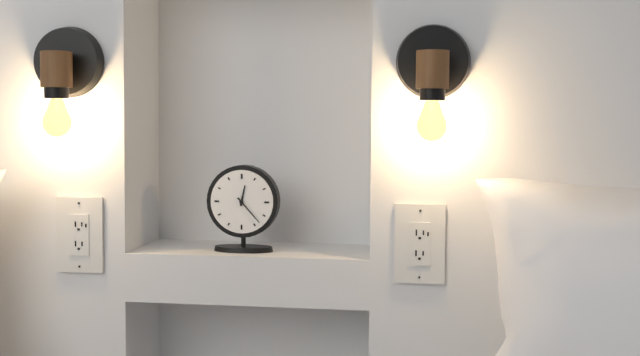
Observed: 12 h 23 min
